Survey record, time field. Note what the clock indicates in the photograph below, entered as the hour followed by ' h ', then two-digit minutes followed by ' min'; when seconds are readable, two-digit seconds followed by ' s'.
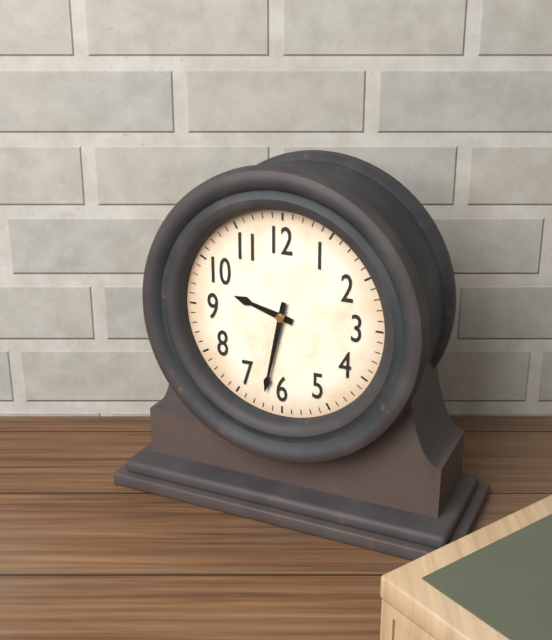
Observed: 9 h 32 min
